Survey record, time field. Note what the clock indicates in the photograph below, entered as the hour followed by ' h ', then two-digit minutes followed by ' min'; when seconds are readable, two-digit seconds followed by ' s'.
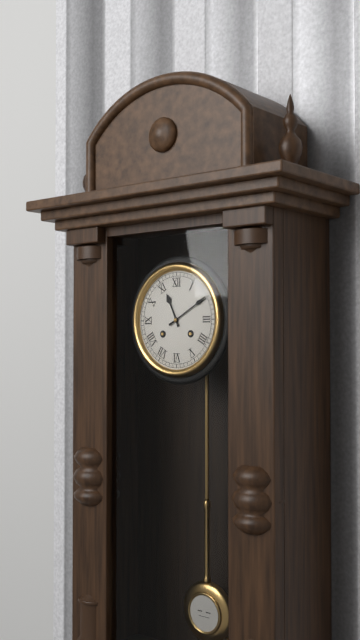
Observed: 11 h 10 min
